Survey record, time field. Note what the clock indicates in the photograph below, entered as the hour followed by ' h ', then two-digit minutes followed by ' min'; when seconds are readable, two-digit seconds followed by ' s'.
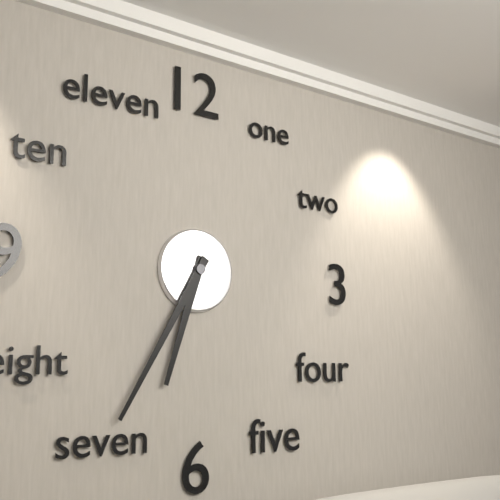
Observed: 6 h 35 min
